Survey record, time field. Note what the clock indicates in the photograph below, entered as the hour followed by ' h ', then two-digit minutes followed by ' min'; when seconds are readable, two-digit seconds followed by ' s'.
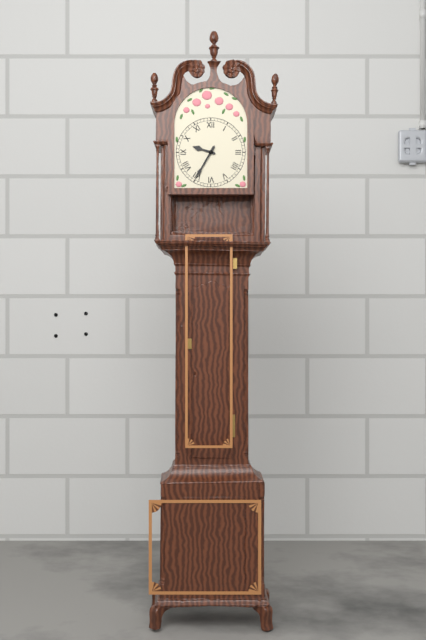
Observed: 9 h 35 min
